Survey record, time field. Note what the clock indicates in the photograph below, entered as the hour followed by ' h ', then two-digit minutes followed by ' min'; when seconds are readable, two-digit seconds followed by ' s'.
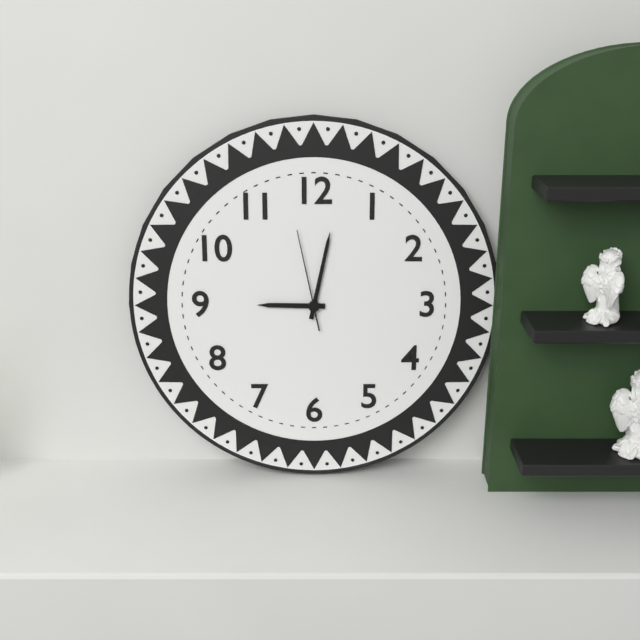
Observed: 9 h 02 min 58 s
